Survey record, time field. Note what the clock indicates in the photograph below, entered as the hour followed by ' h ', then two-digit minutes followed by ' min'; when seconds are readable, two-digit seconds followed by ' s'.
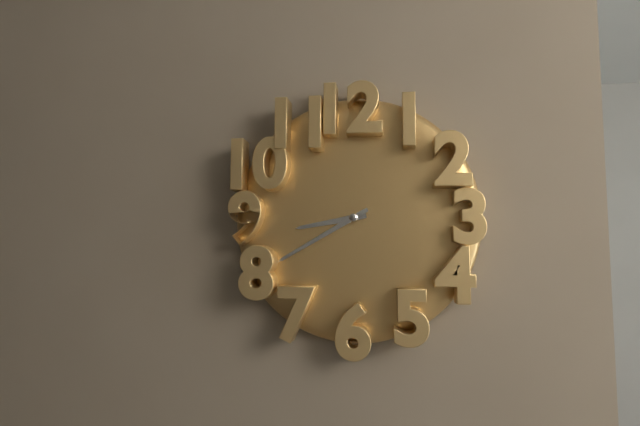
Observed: 8 h 40 min
